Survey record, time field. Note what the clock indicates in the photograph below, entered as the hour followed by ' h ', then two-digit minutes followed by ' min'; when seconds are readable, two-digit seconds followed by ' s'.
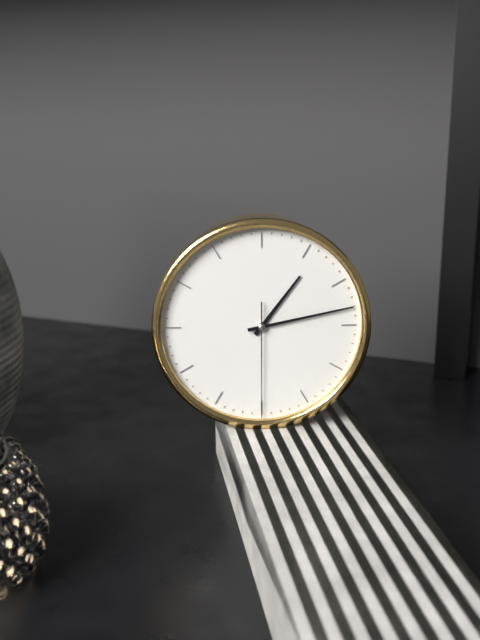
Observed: 1 h 13 min 30 s
